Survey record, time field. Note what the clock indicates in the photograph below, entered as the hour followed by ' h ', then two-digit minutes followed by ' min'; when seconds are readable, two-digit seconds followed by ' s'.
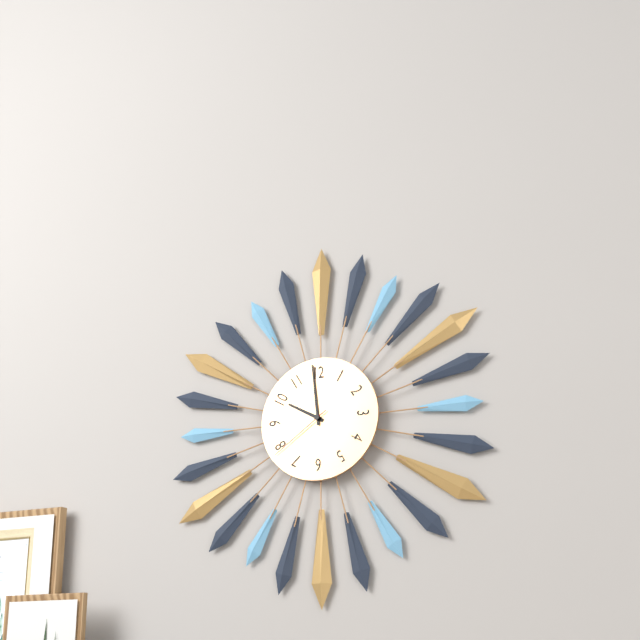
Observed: 9 h 59 min 39 s
